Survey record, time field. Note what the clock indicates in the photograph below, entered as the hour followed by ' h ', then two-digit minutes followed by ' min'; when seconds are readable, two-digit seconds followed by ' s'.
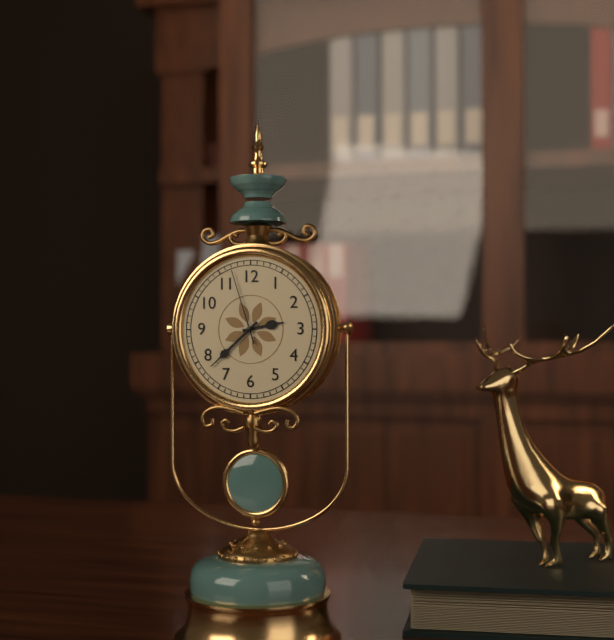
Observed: 2 h 38 min 57 s
